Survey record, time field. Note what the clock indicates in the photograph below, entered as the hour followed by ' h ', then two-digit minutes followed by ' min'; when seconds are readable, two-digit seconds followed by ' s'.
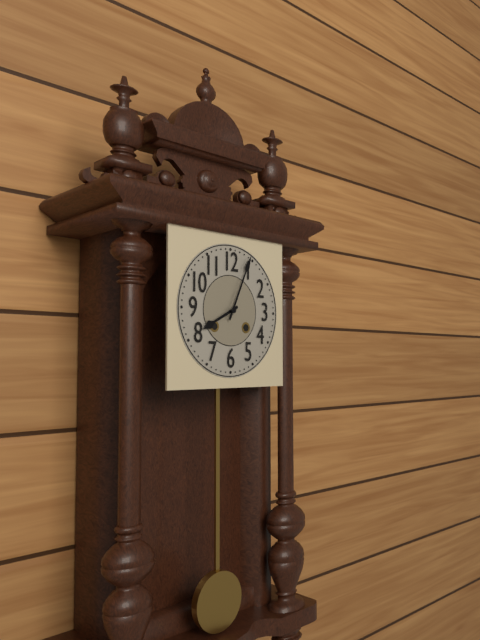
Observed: 8 h 04 min
